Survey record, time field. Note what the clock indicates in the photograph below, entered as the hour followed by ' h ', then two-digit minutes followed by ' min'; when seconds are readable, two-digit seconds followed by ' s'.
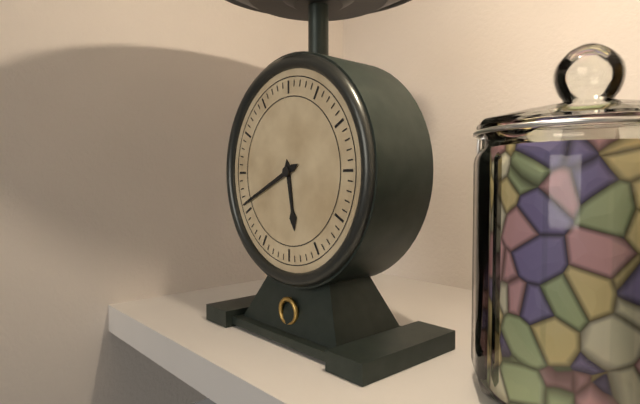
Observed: 5 h 41 min
